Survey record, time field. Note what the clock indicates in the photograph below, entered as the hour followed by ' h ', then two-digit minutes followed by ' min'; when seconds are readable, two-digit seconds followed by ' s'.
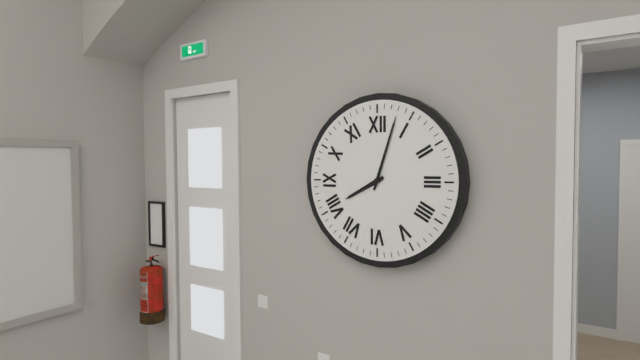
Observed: 8 h 03 min
